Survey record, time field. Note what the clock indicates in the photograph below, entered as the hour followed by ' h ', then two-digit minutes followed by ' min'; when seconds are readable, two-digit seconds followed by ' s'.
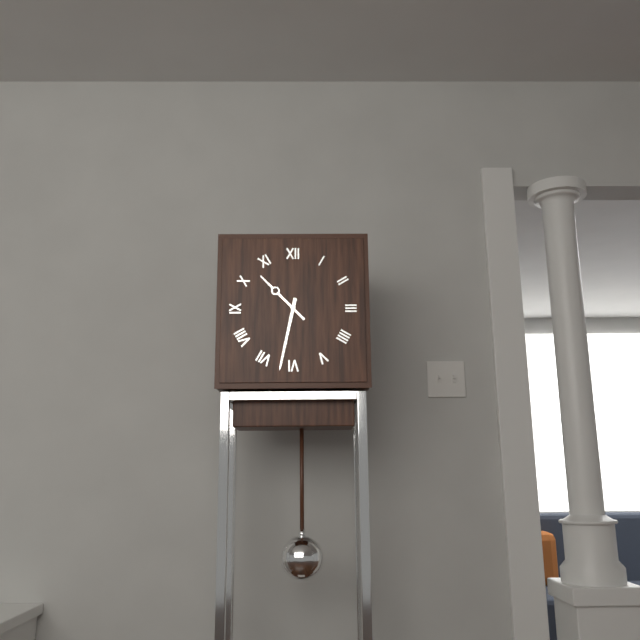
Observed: 10 h 32 min
